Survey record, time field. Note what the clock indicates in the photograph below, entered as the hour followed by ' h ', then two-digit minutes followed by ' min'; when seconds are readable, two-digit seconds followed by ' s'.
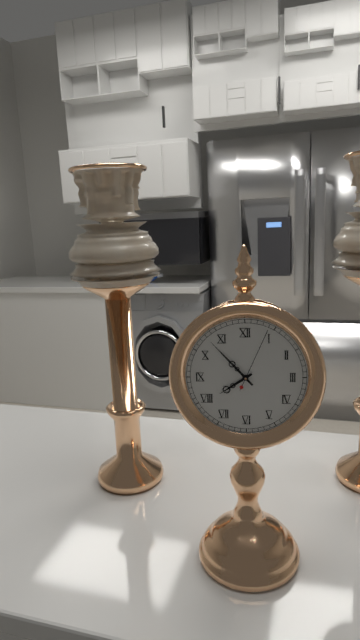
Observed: 7 h 53 min 04 s
